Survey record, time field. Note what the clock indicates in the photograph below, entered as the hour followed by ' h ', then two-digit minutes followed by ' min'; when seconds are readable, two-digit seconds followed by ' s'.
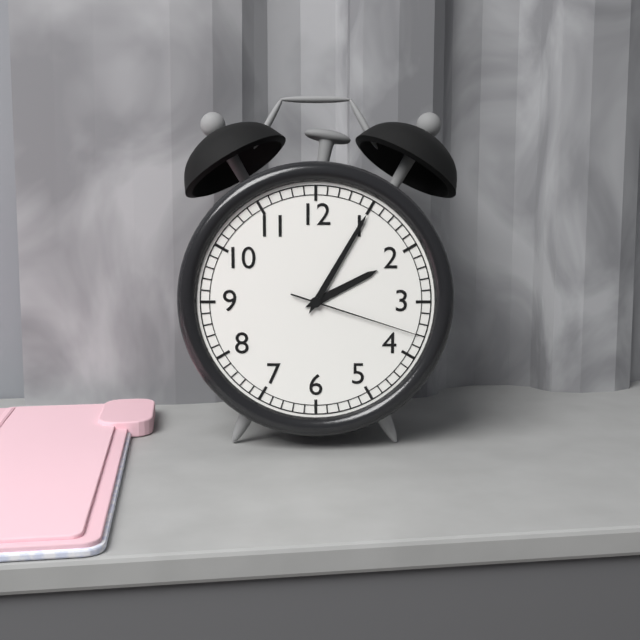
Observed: 2 h 05 min 18 s
